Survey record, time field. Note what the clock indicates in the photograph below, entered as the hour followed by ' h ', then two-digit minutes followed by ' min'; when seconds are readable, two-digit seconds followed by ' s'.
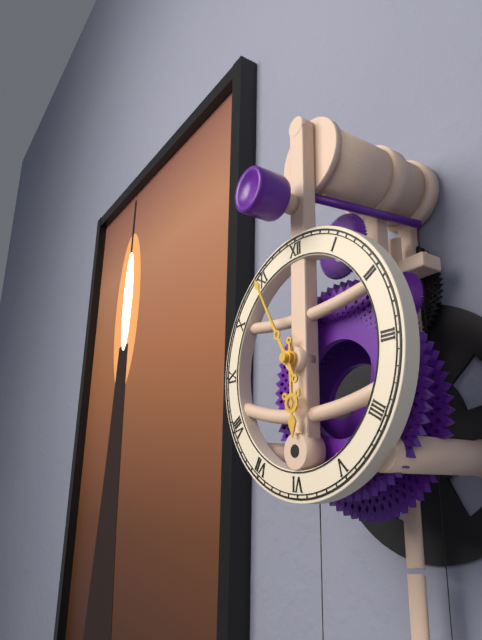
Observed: 5 h 55 min
